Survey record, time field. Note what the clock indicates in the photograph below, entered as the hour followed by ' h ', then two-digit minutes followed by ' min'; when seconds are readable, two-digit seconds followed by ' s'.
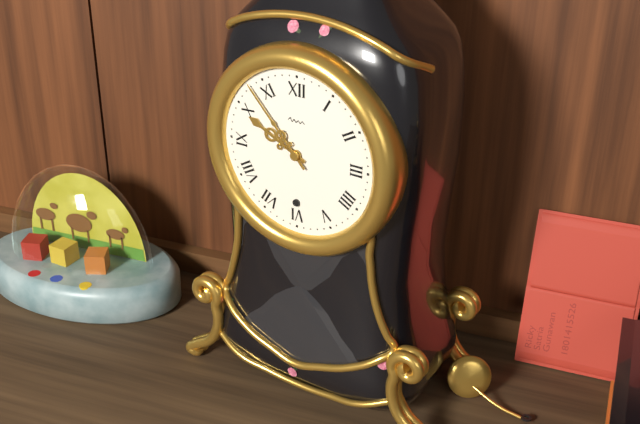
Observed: 9 h 53 min
